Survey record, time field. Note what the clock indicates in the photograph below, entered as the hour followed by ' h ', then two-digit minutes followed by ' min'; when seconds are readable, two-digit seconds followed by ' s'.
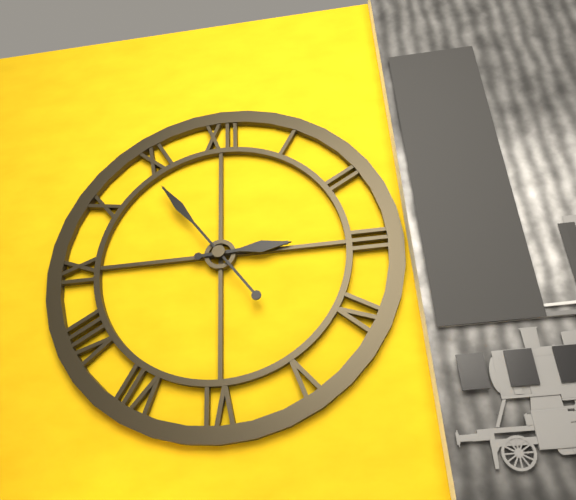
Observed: 2 h 54 min
